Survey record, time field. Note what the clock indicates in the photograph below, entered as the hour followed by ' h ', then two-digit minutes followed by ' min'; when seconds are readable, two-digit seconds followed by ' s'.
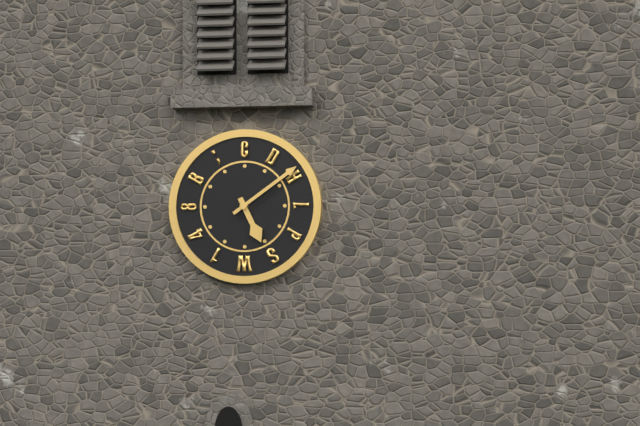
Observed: 5 h 09 min
